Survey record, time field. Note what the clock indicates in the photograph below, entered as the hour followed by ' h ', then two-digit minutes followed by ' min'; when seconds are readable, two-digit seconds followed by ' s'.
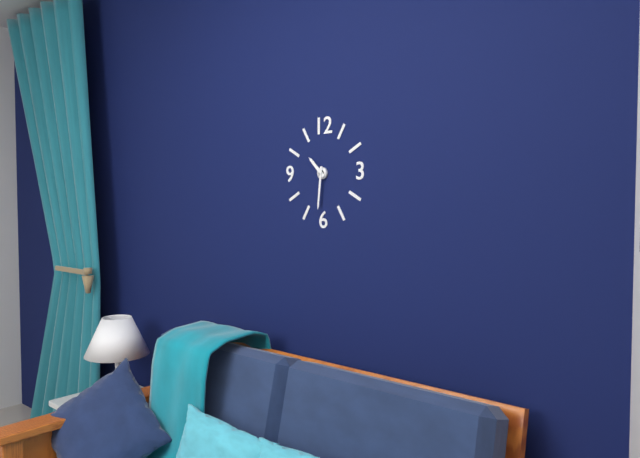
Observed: 10 h 31 min
